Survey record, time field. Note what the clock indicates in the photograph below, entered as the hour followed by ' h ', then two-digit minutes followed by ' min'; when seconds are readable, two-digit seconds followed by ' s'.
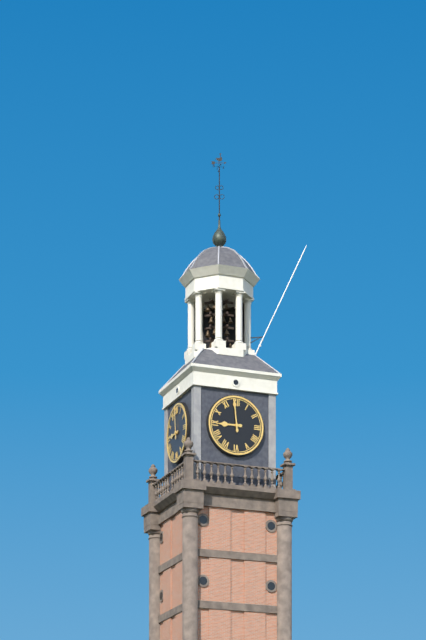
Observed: 8 h 59 min
